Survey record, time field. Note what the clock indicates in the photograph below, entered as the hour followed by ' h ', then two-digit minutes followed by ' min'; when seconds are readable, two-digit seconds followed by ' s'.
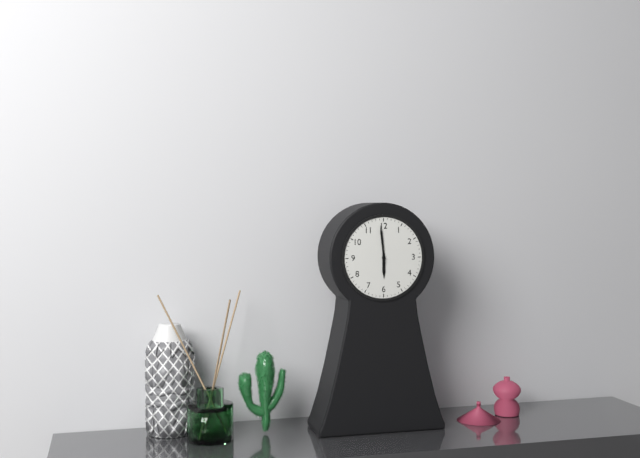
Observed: 5 h 59 min
